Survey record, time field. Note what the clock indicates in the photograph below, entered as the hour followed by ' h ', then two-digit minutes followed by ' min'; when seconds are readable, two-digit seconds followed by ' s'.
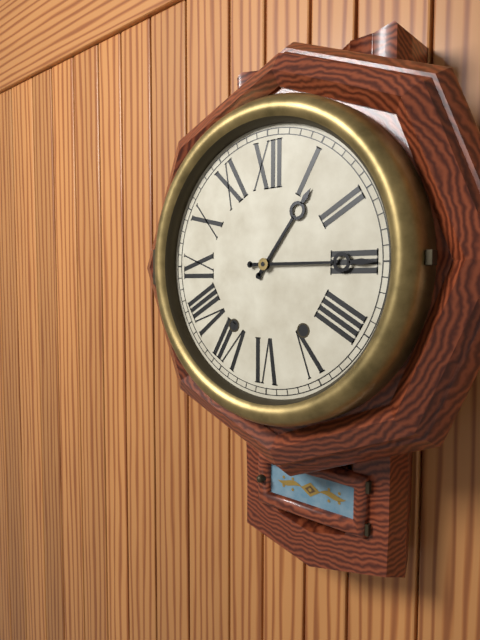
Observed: 1 h 15 min
